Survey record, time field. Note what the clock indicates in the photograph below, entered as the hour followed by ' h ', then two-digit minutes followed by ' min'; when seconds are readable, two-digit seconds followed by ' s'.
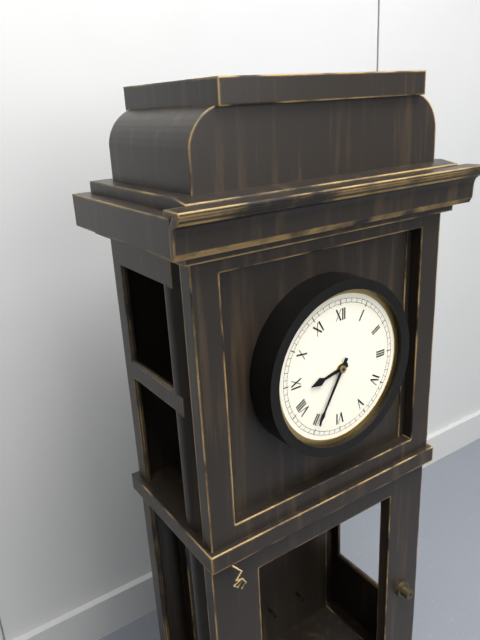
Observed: 8 h 35 min
